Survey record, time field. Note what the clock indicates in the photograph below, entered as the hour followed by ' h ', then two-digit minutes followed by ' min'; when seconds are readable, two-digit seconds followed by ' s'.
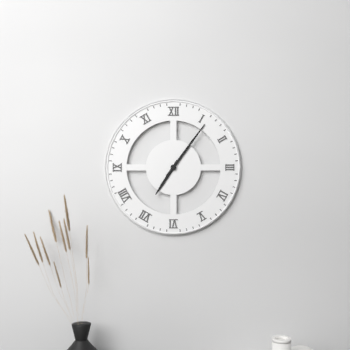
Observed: 7 h 06 min
